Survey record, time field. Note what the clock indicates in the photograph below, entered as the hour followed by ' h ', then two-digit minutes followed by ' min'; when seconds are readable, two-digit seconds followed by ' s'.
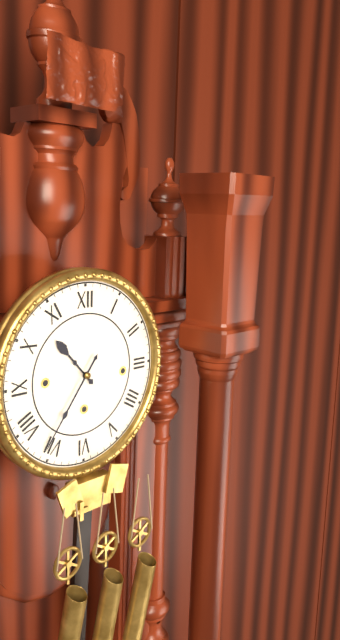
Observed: 10 h 36 min
